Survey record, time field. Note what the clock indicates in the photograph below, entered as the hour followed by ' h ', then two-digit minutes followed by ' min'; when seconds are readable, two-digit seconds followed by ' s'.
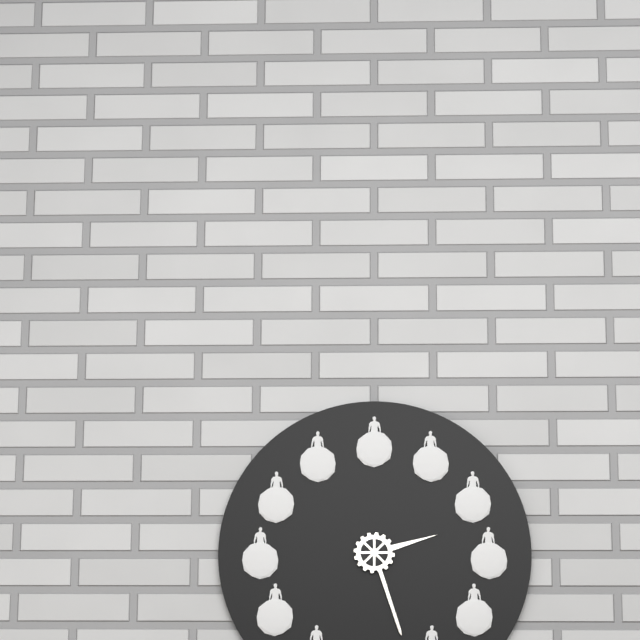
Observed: 2 h 27 min
